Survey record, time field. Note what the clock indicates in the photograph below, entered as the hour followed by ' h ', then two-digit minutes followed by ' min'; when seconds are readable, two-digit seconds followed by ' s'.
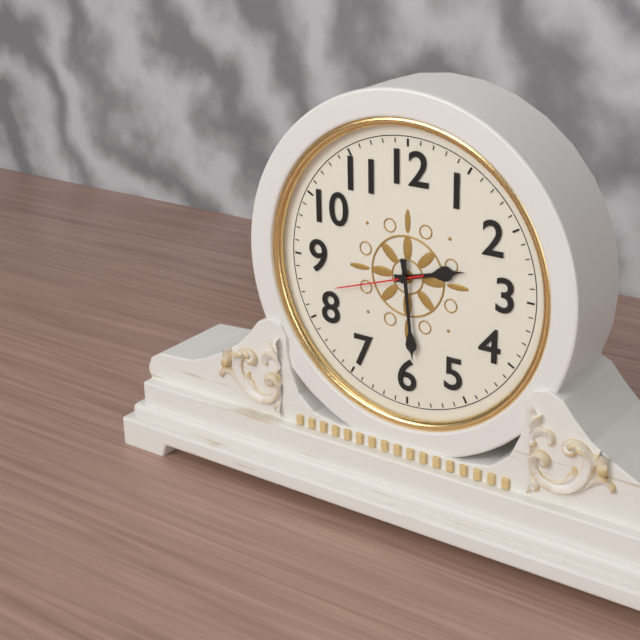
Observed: 2 h 29 min 42 s
